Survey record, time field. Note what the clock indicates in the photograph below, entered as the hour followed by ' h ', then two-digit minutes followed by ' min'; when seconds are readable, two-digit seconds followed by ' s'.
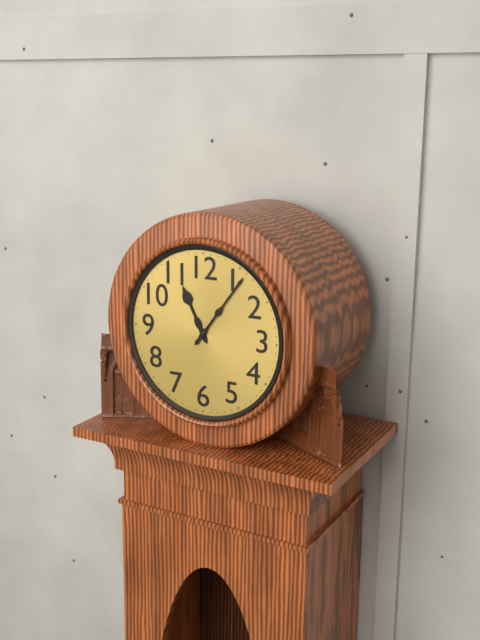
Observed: 11 h 06 min
